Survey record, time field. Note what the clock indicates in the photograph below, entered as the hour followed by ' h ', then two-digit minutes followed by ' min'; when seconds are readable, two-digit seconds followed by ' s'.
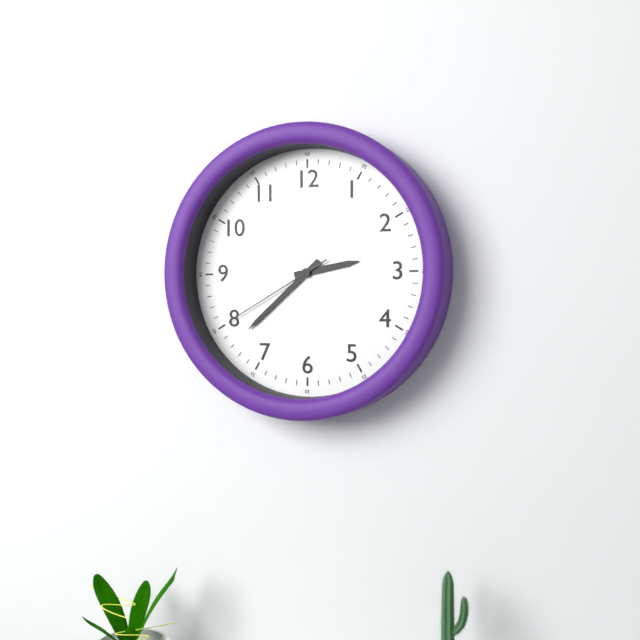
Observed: 2 h 38 min 40 s
